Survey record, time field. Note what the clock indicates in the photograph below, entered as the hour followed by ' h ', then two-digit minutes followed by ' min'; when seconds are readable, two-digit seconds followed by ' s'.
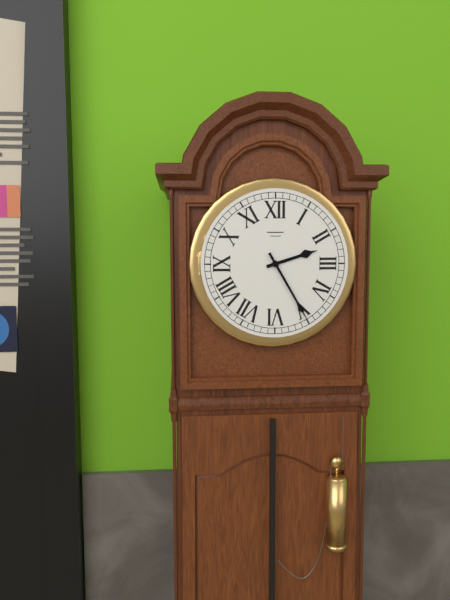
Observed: 2 h 25 min
